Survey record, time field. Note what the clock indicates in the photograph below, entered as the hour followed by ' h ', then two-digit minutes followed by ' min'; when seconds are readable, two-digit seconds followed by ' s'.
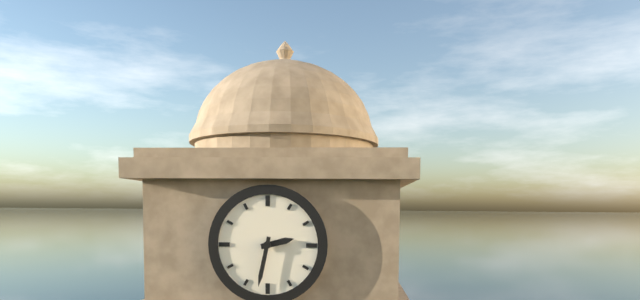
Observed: 2 h 32 min
